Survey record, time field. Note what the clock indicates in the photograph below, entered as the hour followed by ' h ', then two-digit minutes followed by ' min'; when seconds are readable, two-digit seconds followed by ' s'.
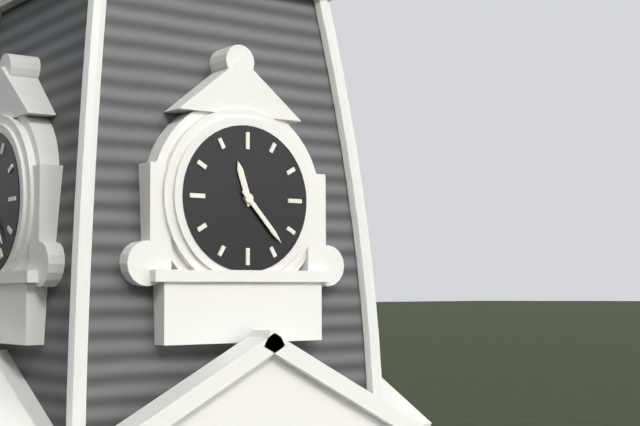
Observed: 11 h 23 min
